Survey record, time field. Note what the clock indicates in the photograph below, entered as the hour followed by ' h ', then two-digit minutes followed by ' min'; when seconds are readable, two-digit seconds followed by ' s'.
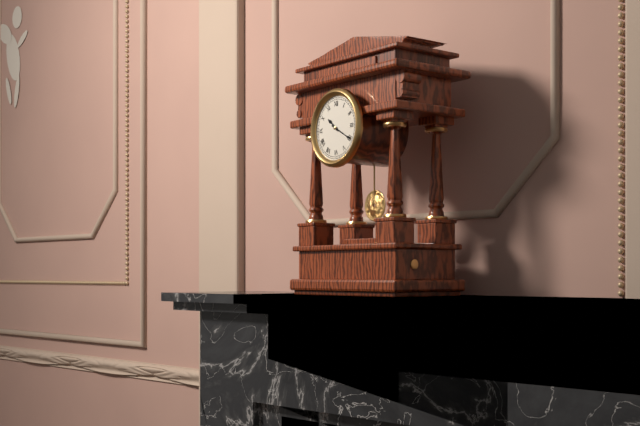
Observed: 10 h 20 min
